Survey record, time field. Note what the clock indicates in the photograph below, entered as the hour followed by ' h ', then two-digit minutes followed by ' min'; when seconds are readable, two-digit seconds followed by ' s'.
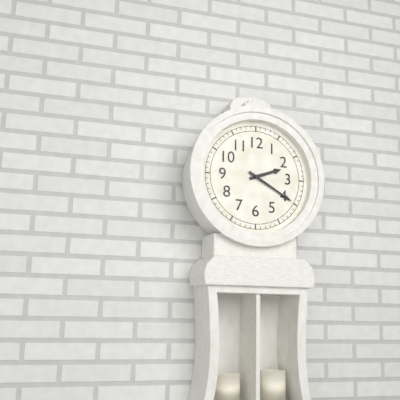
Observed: 2 h 20 min
